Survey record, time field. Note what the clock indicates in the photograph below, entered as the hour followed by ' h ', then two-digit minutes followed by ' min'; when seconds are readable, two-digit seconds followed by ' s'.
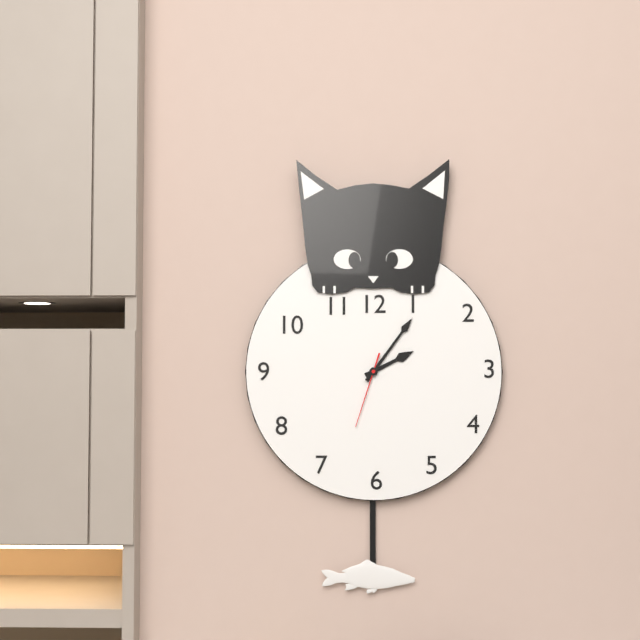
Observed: 2 h 06 min 33 s
